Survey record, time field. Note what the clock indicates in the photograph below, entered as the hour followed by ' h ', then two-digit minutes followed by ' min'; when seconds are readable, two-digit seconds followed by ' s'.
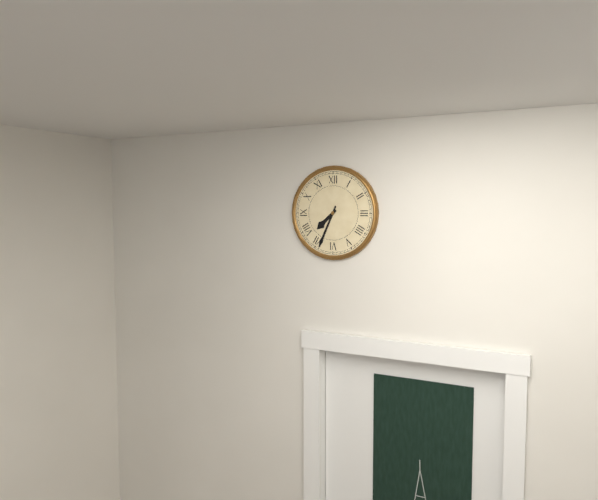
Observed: 7 h 34 min
